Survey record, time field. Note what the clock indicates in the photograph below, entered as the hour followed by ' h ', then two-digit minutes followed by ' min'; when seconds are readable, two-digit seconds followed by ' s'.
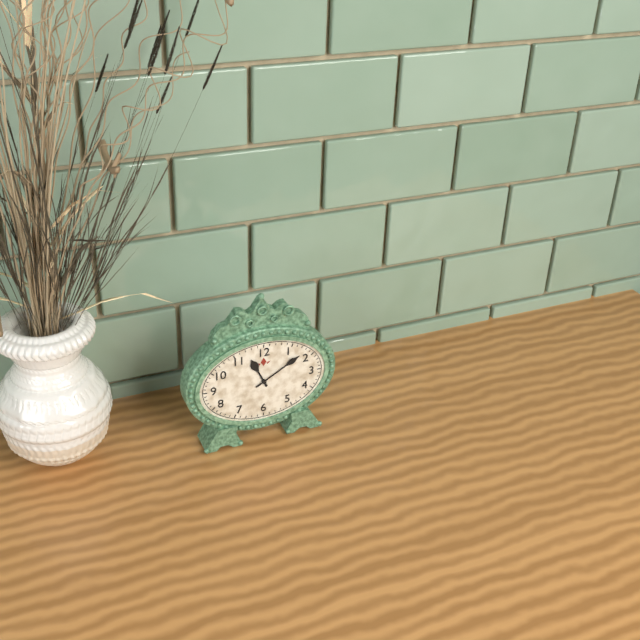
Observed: 11 h 10 min
